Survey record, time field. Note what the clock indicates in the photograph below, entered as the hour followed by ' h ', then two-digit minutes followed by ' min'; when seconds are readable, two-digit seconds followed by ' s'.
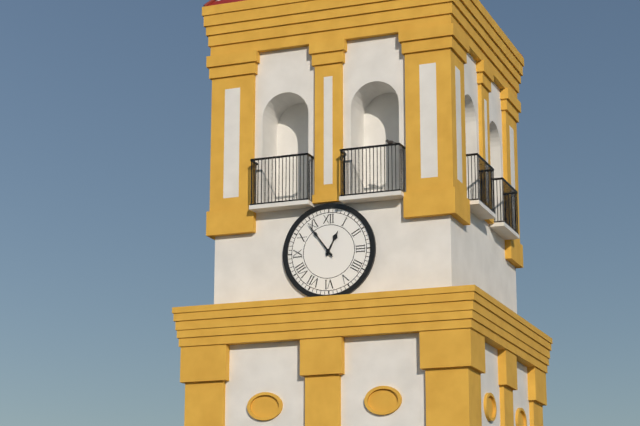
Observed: 12 h 54 min
